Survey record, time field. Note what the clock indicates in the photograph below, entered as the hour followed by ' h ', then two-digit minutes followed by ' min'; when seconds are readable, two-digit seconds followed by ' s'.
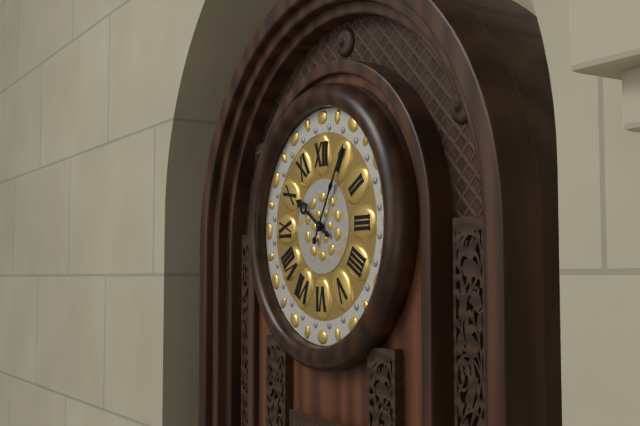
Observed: 10 h 05 min
